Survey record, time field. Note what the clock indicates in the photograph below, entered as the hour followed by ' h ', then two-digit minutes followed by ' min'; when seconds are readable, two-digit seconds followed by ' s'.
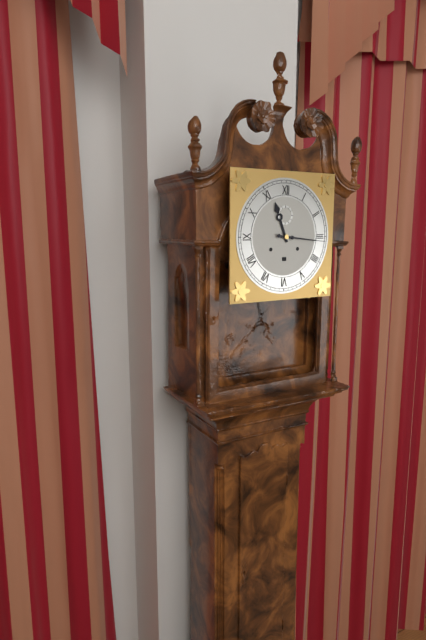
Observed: 11 h 16 min
